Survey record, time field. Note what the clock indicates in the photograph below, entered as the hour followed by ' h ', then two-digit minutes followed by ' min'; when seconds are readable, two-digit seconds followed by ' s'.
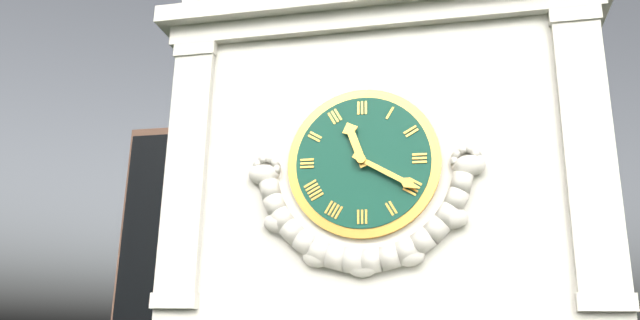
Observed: 11 h 20 min
